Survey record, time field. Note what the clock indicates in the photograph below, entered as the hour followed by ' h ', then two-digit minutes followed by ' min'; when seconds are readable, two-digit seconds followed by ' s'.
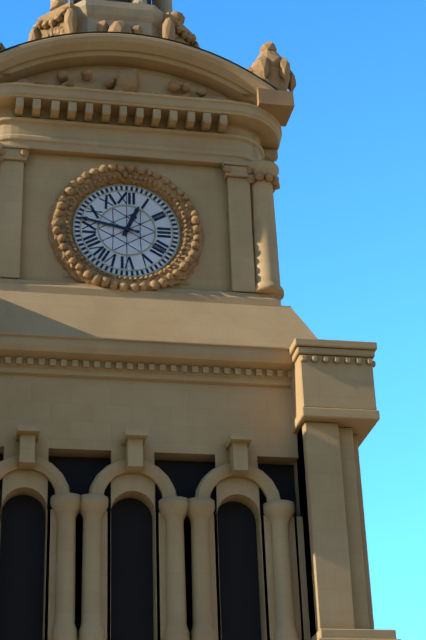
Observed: 12 h 47 min
